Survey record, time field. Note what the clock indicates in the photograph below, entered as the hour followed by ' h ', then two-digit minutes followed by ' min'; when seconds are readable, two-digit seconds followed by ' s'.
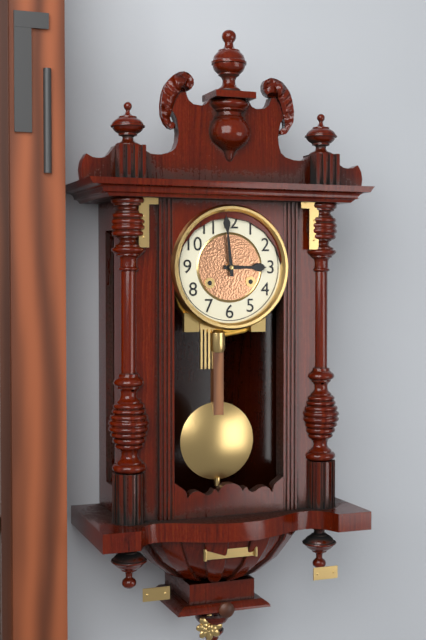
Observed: 2 h 59 min
